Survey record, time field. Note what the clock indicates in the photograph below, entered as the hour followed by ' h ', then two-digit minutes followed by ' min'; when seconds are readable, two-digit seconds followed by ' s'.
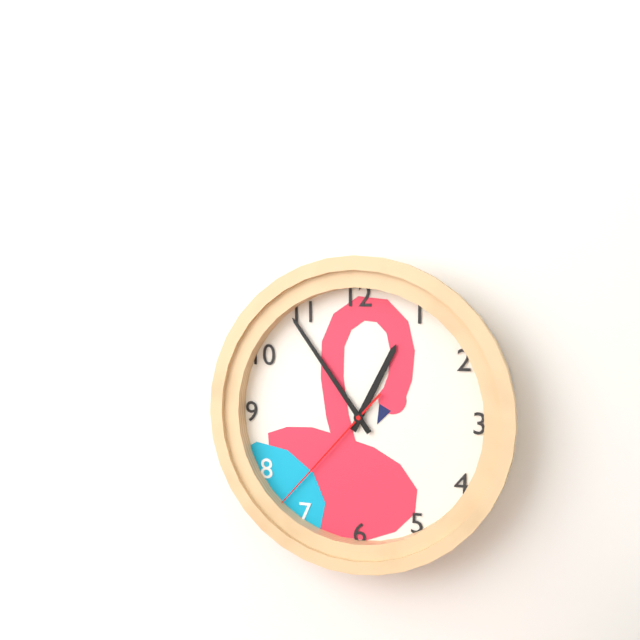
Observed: 12 h 54 min 37 s
